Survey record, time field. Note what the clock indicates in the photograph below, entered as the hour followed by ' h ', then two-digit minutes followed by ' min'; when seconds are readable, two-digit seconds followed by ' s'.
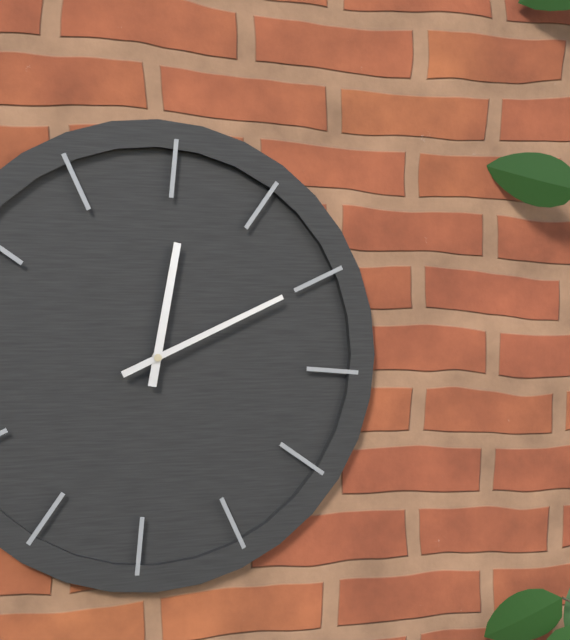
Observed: 12 h 10 min
